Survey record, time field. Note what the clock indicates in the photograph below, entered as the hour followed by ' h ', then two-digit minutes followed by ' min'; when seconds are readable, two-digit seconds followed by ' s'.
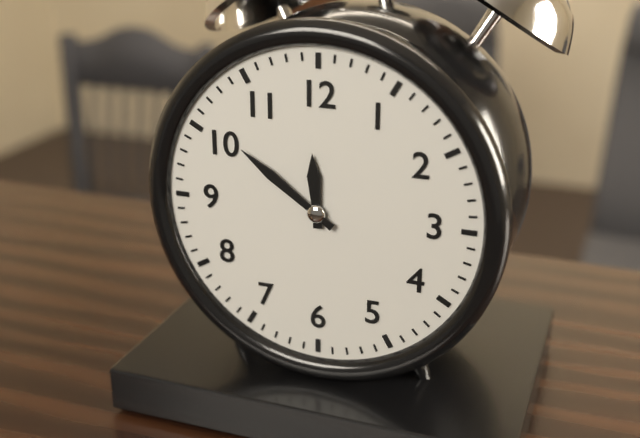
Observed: 11 h 51 min
